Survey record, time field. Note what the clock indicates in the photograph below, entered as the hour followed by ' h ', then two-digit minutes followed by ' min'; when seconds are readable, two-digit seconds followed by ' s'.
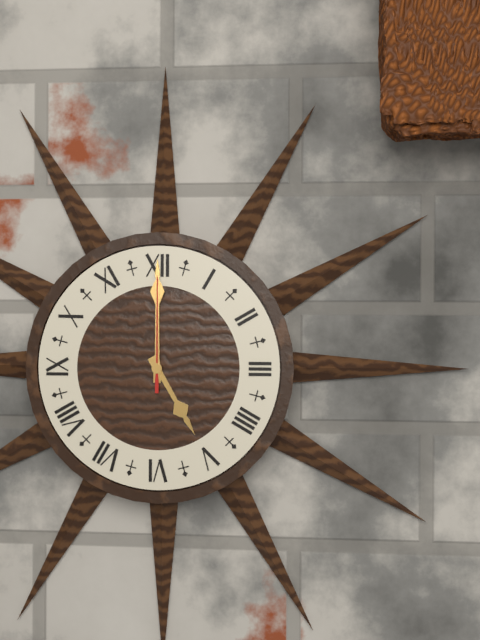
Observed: 5 h 00 min 00 s
